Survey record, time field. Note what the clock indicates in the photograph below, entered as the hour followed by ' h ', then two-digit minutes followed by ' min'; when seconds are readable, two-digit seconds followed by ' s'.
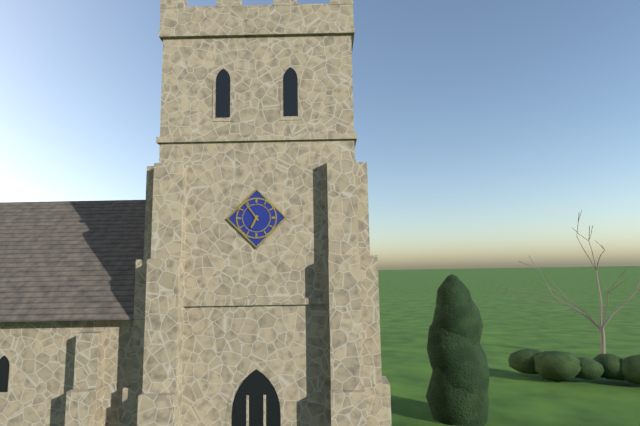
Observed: 6 h 54 min
